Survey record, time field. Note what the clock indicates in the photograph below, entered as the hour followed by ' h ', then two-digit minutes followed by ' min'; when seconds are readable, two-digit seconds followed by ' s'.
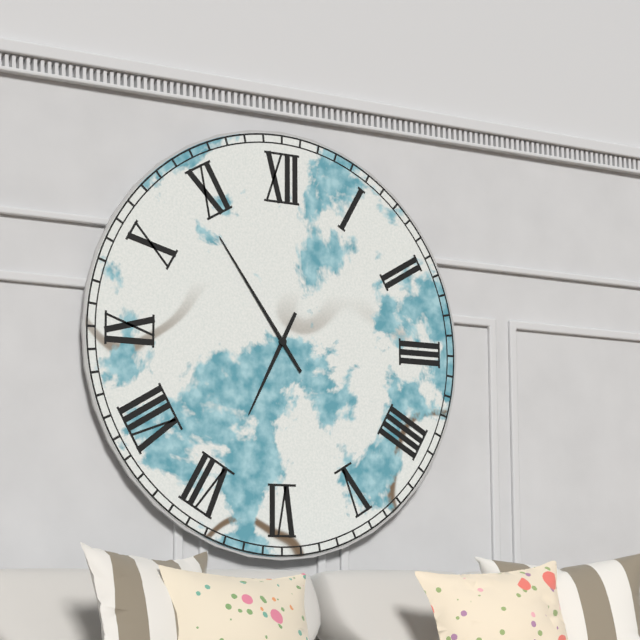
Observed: 6 h 54 min
